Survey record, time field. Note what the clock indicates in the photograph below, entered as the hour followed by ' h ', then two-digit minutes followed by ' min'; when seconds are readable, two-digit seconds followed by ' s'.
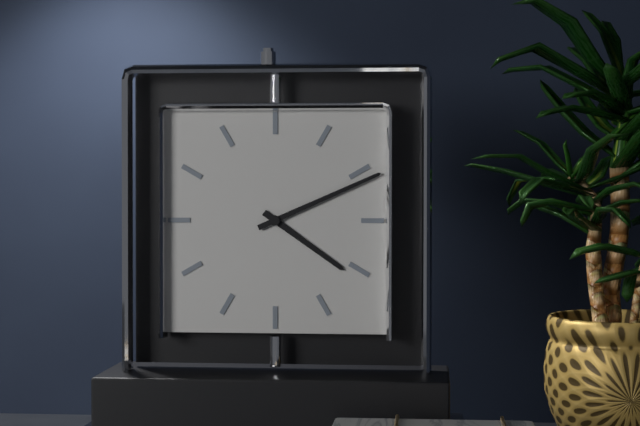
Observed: 4 h 11 min
